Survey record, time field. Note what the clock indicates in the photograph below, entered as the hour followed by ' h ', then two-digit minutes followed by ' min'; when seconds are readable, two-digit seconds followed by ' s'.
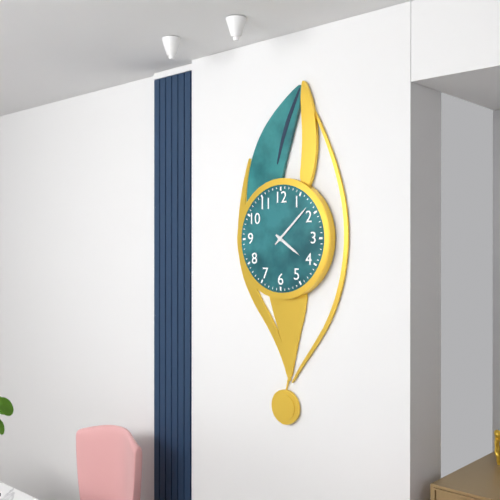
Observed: 4 h 08 min
